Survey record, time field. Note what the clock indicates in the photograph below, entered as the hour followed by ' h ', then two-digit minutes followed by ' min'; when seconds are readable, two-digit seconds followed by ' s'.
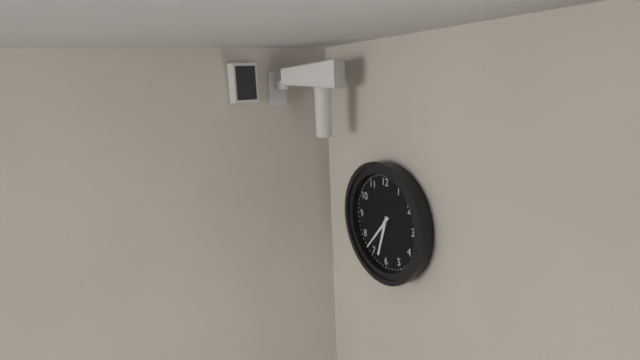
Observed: 6 h 37 min
